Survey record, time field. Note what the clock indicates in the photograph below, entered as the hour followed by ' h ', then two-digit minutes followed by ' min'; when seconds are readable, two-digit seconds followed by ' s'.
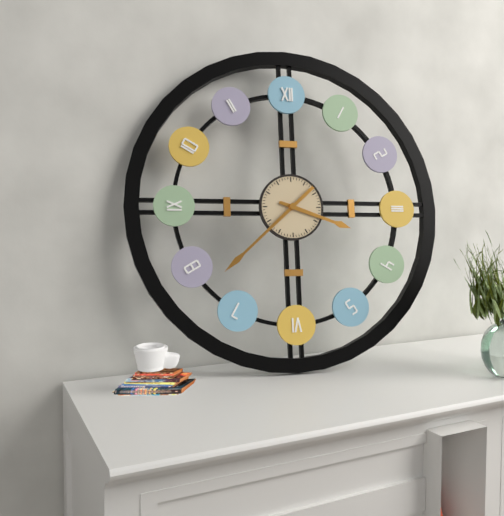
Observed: 3 h 38 min
